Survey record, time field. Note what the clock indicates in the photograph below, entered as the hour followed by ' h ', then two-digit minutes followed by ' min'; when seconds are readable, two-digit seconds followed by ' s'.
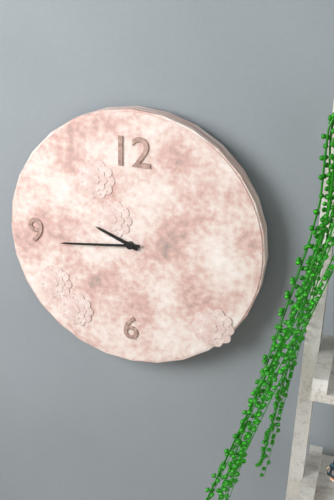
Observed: 9 h 44 min
